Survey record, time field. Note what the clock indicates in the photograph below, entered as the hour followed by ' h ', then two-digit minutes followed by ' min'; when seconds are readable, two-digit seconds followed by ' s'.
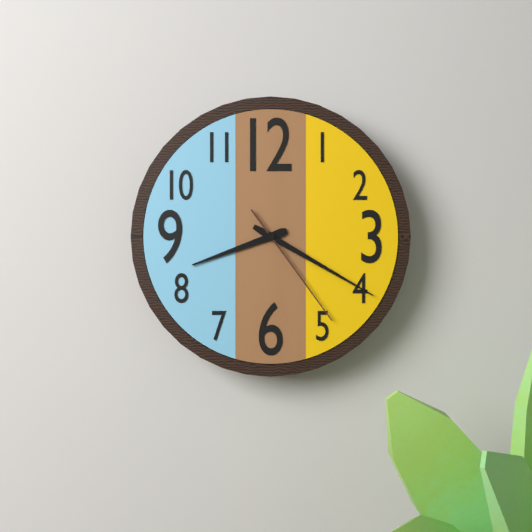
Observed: 8 h 20 min 24 s
